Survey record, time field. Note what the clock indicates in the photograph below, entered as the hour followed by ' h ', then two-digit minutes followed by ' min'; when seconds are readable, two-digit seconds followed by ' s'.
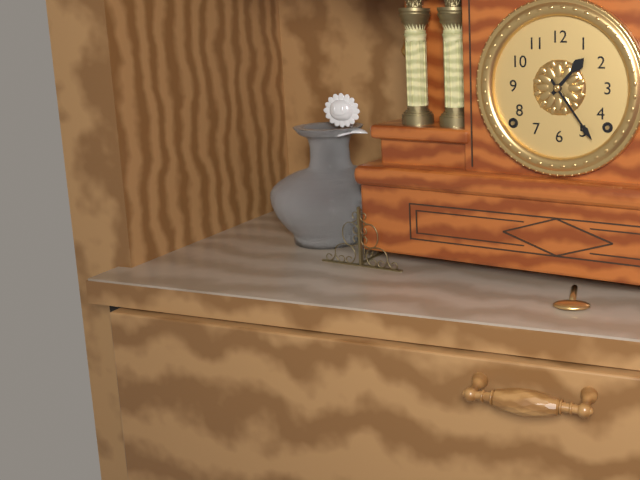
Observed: 1 h 24 min
